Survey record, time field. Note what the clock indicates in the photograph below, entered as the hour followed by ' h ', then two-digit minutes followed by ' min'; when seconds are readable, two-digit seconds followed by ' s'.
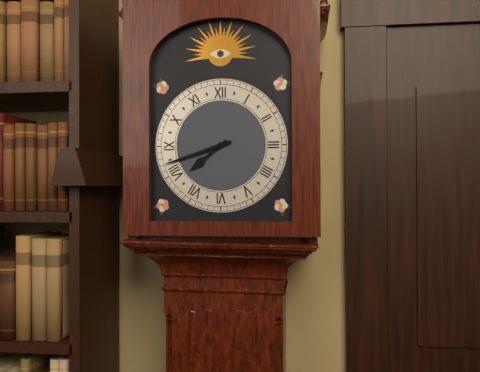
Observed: 7 h 42 min
